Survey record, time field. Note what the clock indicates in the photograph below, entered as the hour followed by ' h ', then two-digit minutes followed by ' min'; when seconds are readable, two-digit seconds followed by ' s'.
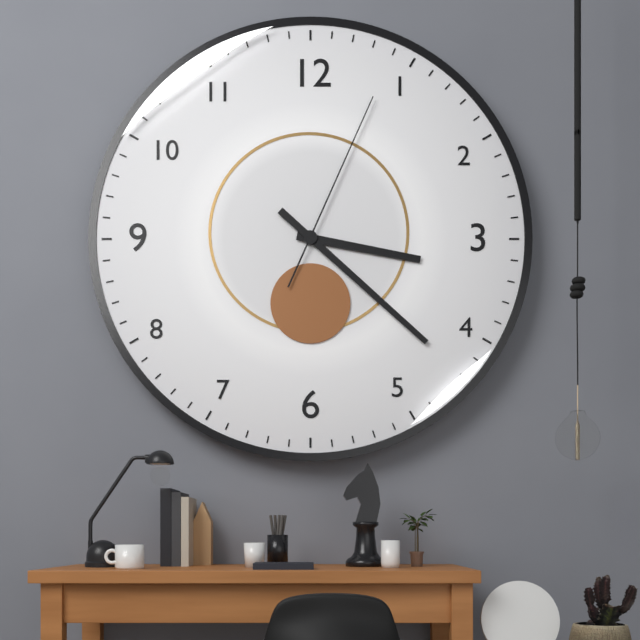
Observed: 3 h 22 min 04 s
